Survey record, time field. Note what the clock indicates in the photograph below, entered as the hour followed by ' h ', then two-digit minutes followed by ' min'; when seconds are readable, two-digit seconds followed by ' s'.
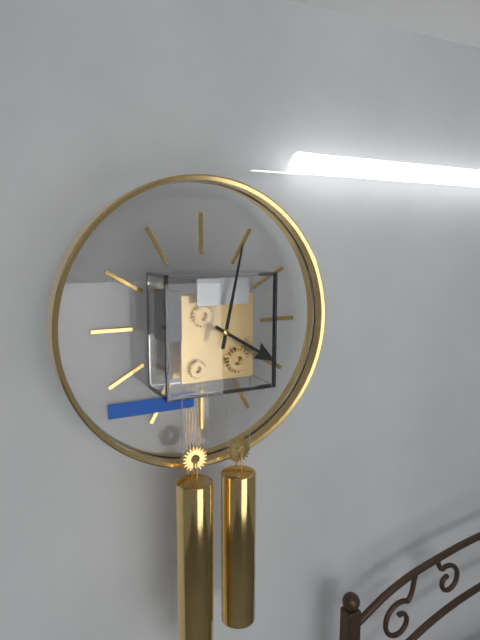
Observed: 4 h 02 min
